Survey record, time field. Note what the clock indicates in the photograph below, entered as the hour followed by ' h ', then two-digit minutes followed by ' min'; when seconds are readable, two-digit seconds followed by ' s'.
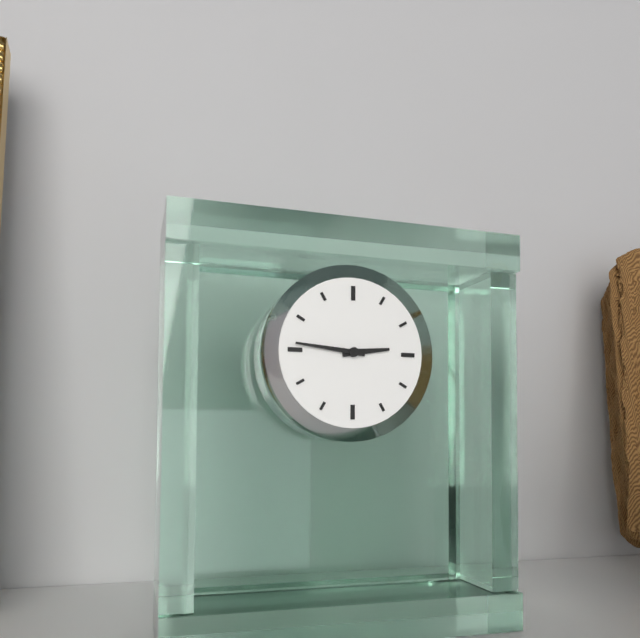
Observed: 2 h 46 min
